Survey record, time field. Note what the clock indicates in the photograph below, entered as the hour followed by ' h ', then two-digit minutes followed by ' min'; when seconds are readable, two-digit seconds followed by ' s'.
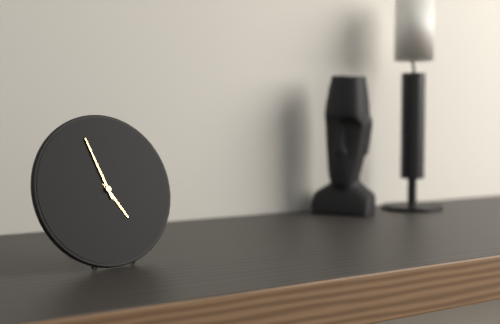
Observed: 4 h 57 min
